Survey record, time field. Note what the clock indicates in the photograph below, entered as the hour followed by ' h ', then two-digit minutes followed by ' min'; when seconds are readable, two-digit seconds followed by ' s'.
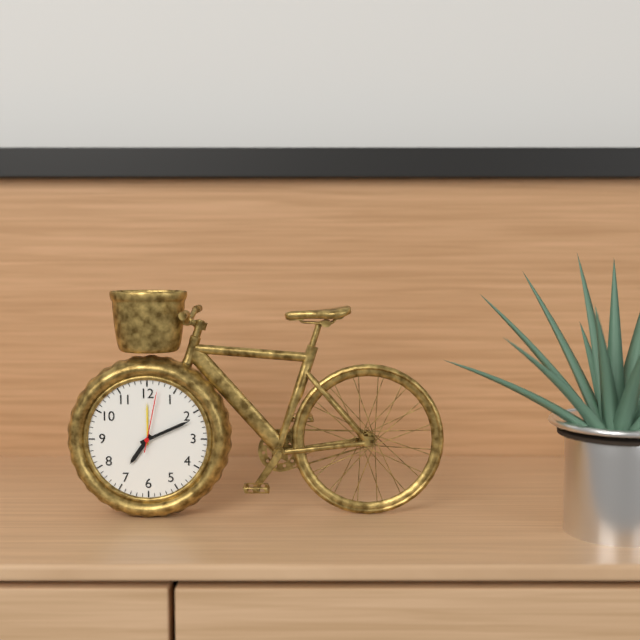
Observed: 7 h 11 min 02 s
